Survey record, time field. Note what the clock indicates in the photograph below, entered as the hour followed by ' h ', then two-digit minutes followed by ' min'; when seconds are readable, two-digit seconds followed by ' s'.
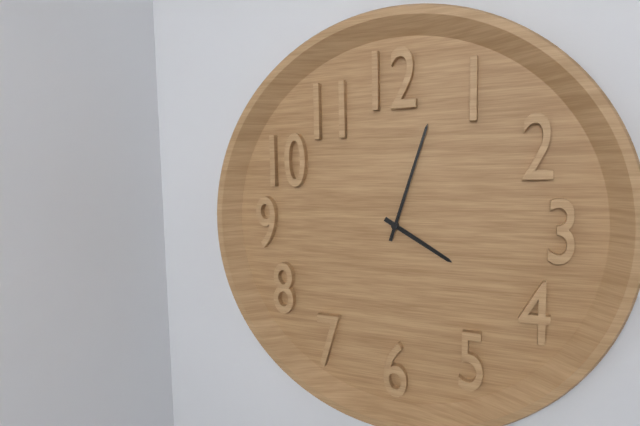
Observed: 4 h 03 min
